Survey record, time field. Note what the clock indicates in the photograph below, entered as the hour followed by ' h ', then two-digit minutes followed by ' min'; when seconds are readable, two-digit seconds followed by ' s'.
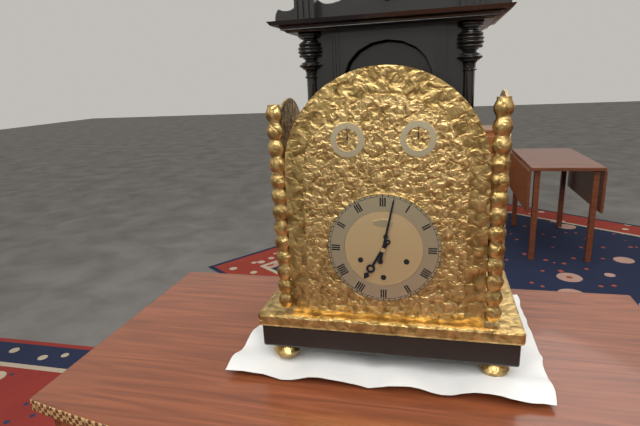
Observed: 7 h 02 min
